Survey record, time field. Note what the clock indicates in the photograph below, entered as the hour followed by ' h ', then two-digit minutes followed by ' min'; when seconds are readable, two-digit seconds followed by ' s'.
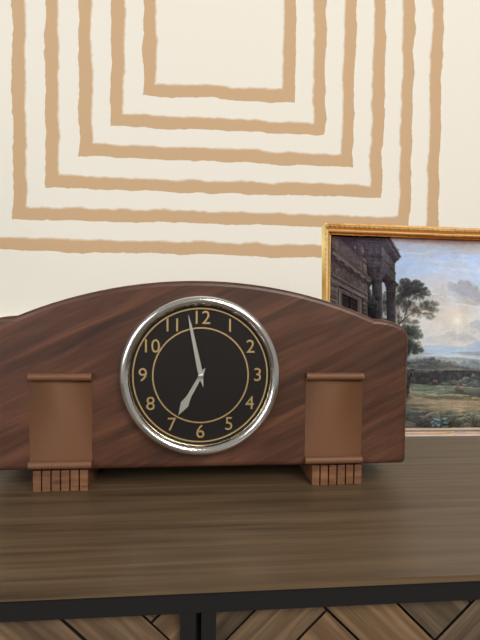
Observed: 6 h 58 min
